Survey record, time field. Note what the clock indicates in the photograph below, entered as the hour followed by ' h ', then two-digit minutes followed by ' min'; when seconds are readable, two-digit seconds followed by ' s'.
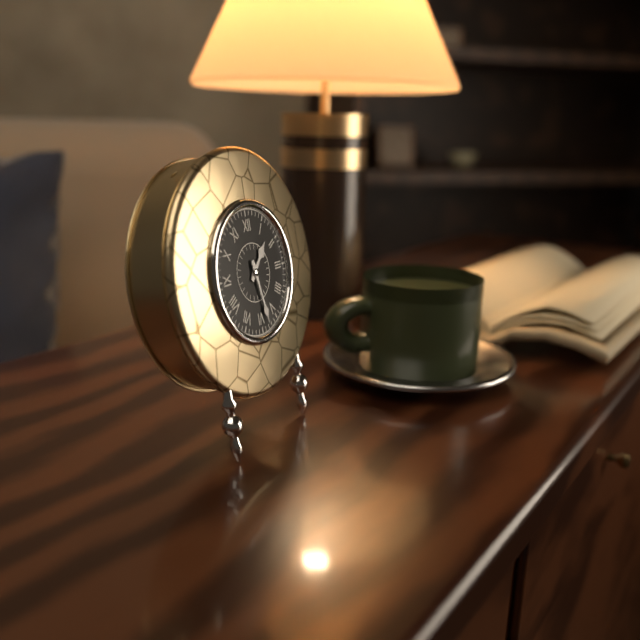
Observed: 1 h 28 min
